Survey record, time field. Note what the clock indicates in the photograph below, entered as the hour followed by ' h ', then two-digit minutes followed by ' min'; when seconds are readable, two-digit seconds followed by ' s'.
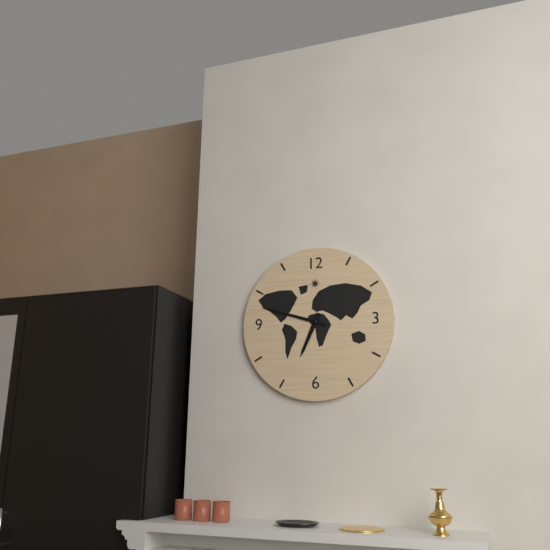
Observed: 6 h 48 min
